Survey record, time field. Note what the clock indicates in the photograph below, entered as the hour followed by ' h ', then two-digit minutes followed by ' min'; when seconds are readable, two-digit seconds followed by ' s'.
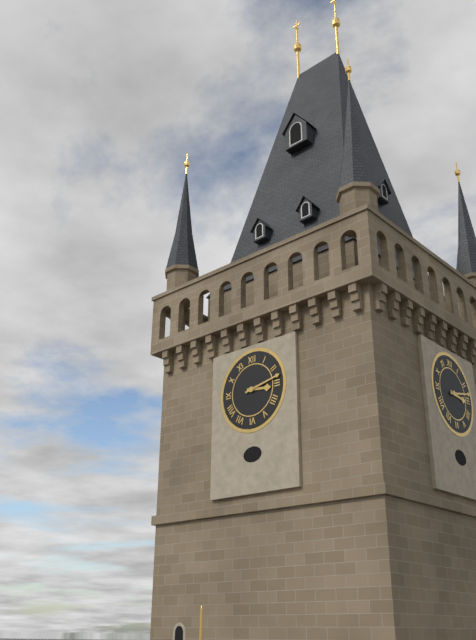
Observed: 3 h 13 min
